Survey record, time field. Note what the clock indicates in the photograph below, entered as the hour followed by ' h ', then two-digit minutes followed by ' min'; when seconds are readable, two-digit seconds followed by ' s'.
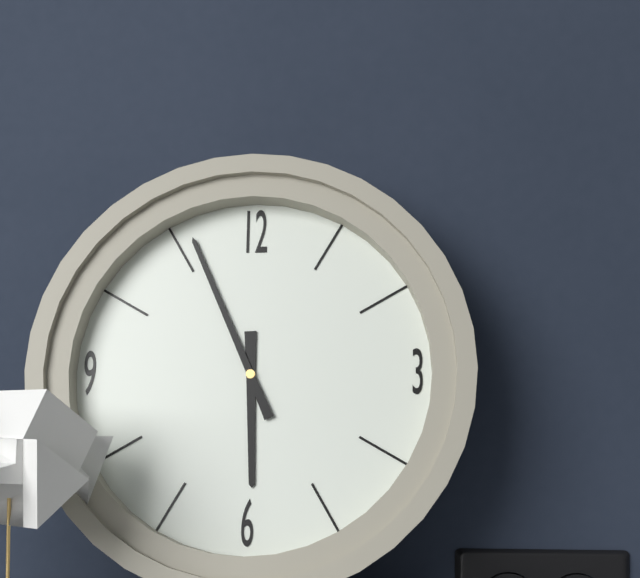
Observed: 5 h 56 min
